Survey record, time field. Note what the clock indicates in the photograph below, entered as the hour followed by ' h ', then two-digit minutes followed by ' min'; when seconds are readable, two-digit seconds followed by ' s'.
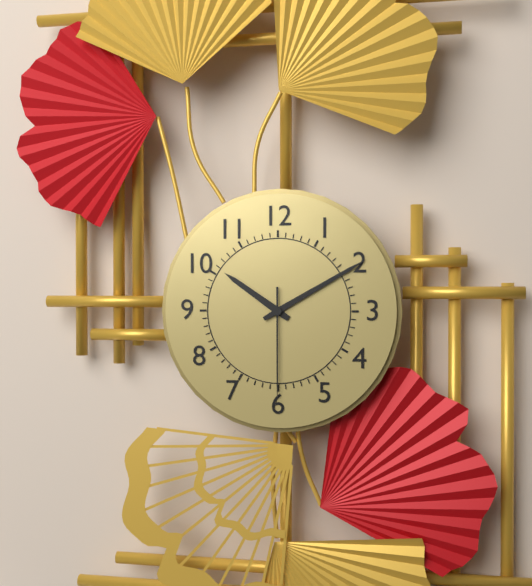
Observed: 10 h 10 min 30 s
